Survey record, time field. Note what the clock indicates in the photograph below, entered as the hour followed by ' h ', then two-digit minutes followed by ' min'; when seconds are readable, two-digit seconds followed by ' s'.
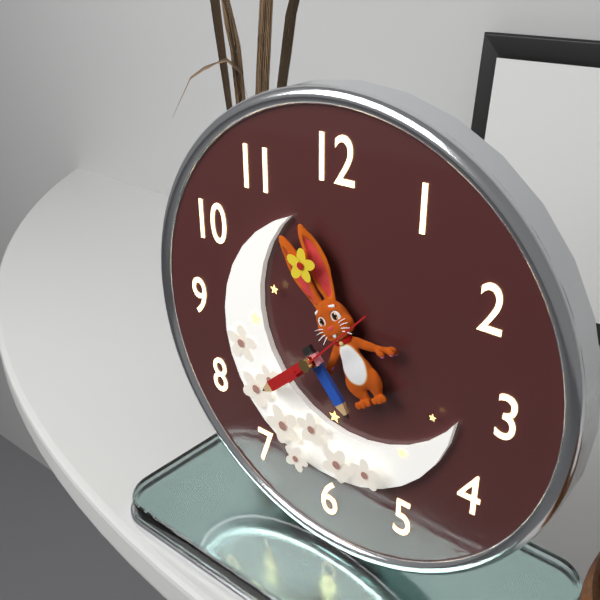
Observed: 4 h 38 min 07 s
